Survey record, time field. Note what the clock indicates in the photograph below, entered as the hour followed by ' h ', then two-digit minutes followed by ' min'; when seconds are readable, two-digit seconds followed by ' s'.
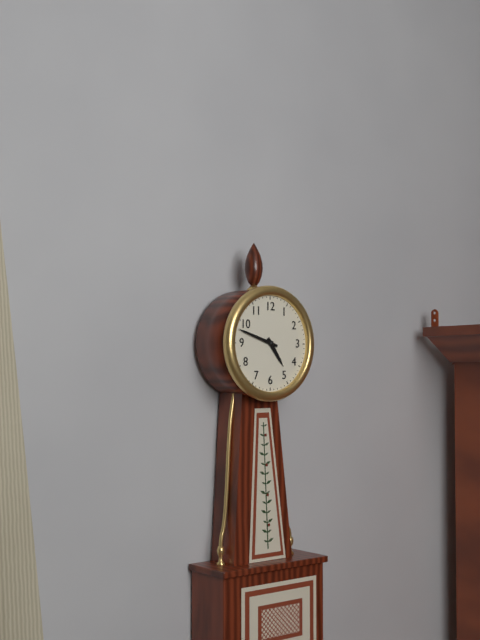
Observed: 4 h 48 min
